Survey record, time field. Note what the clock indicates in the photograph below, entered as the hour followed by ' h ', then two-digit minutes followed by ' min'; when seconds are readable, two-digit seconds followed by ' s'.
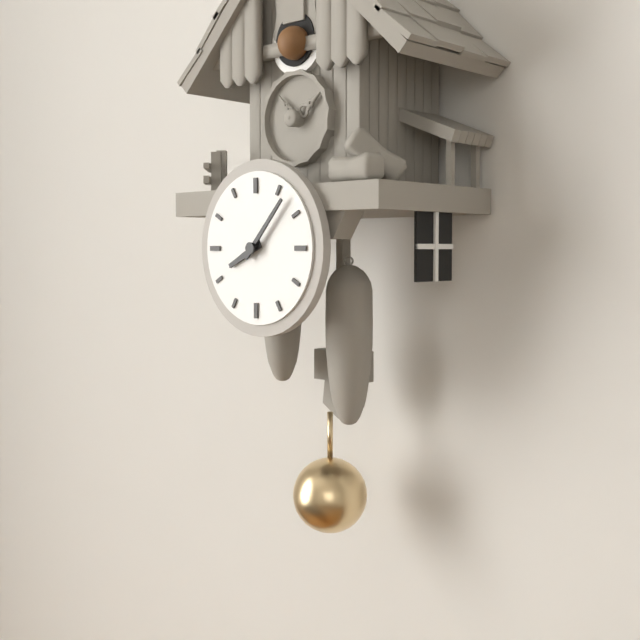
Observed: 8 h 07 min
